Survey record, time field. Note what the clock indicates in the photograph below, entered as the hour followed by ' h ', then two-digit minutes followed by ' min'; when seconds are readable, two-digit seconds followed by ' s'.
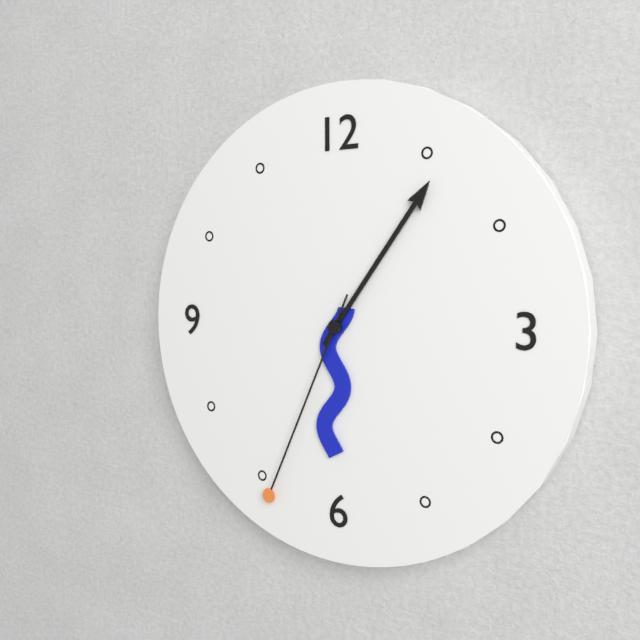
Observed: 6 h 06 min 34 s
